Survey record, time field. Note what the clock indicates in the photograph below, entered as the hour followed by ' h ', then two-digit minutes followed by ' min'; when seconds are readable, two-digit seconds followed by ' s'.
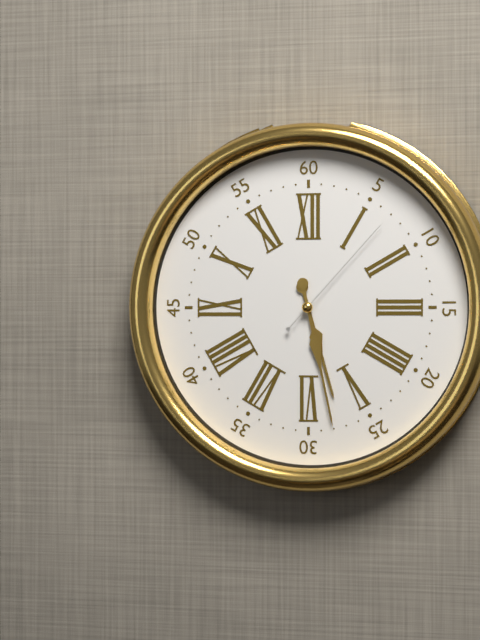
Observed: 5 h 28 min 07 s
